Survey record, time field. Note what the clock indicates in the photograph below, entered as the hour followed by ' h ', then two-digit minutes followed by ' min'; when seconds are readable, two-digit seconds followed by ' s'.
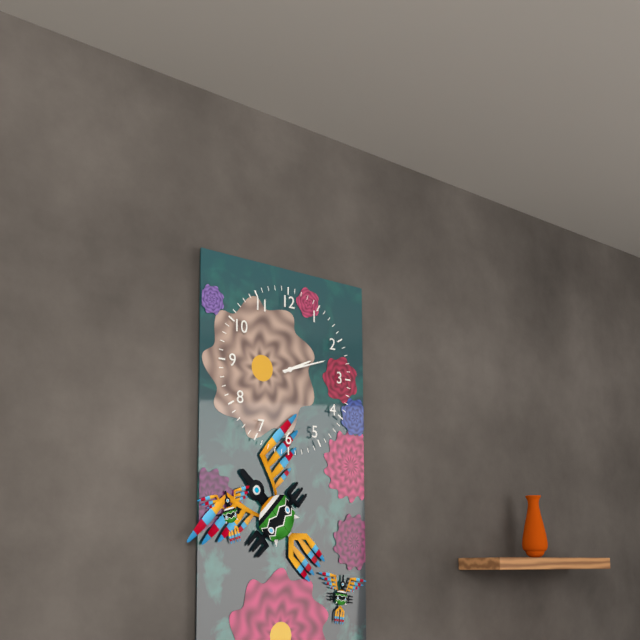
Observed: 2 h 12 min
